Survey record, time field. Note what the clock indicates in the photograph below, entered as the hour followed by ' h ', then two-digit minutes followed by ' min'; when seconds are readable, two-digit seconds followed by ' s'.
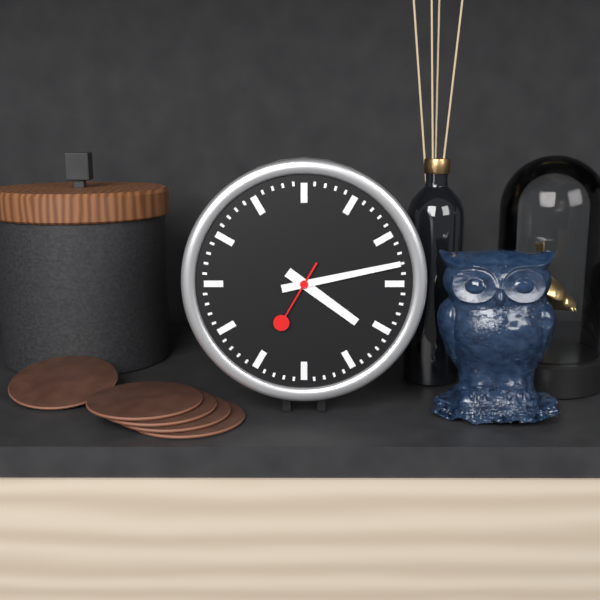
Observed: 4 h 13 min 35 s
